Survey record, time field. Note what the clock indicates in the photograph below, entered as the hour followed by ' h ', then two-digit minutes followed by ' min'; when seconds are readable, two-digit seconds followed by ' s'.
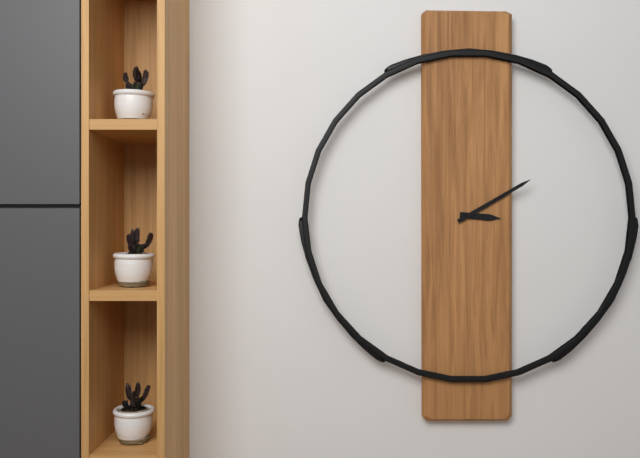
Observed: 3 h 10 min
